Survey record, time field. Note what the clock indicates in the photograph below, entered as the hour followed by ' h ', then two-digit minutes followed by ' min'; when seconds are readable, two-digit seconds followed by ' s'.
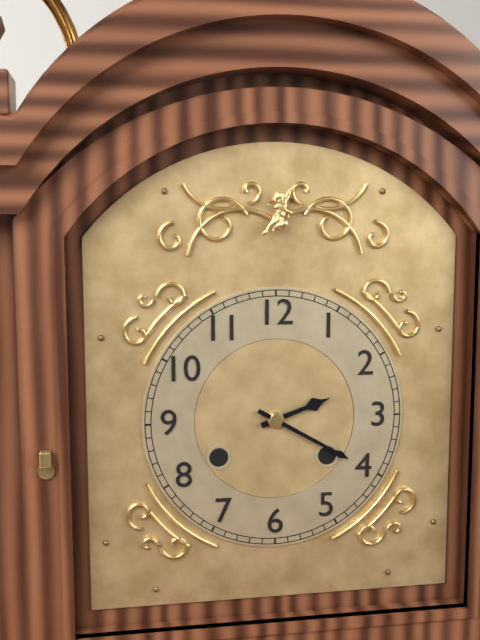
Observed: 2 h 20 min
